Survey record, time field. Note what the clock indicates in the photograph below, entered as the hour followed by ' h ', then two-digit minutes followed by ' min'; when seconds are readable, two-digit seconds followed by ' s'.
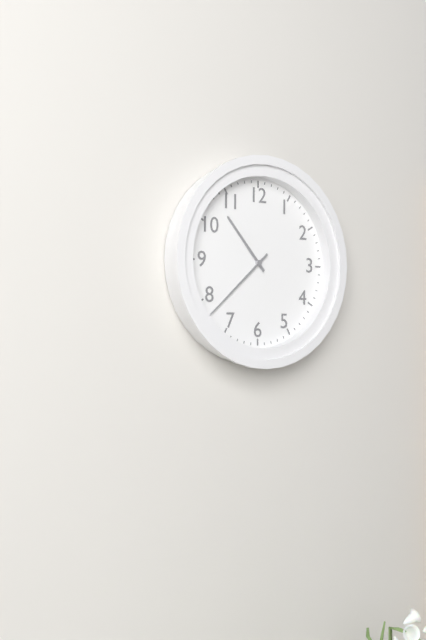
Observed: 10 h 38 min
